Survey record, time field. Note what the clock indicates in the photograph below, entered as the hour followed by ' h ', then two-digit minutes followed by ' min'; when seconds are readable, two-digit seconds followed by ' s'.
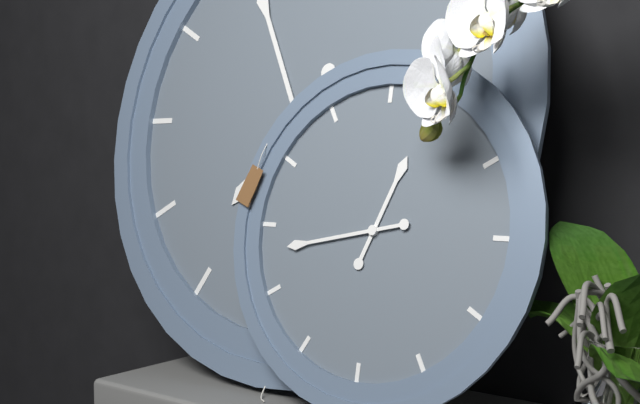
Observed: 12 h 43 min
